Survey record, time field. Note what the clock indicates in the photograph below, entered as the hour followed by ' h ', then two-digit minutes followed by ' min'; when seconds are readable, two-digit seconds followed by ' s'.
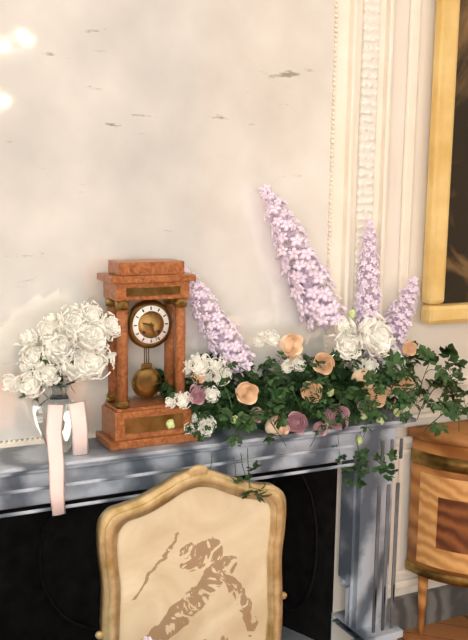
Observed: 9 h 27 min
